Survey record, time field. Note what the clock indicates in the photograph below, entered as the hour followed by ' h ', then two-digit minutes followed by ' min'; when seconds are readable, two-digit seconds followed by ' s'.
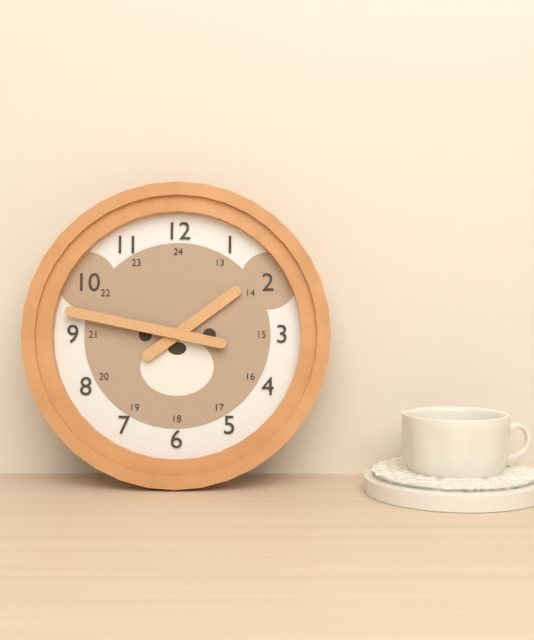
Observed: 1 h 47 min
